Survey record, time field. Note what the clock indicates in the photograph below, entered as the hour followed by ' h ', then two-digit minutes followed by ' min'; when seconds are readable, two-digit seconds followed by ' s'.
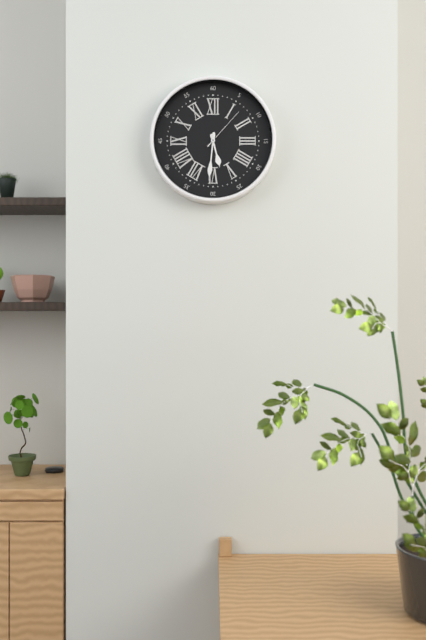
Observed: 5 h 31 min
